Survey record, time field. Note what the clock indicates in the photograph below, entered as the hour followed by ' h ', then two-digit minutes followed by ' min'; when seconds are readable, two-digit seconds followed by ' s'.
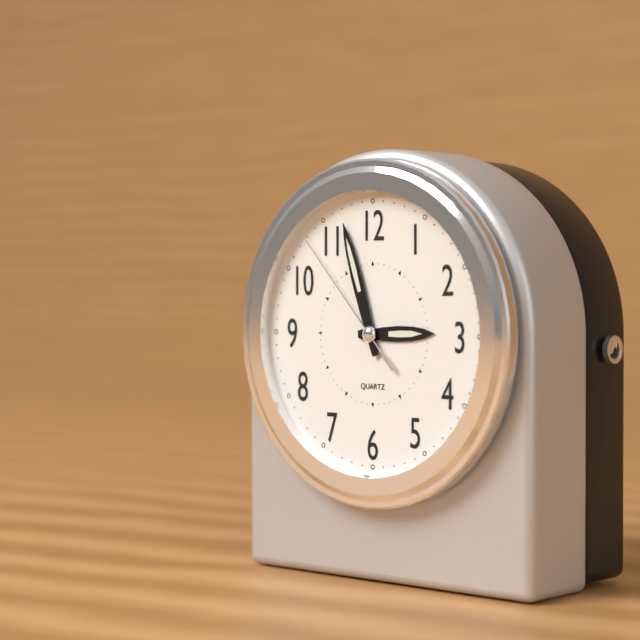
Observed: 2 h 57 min 53 s
